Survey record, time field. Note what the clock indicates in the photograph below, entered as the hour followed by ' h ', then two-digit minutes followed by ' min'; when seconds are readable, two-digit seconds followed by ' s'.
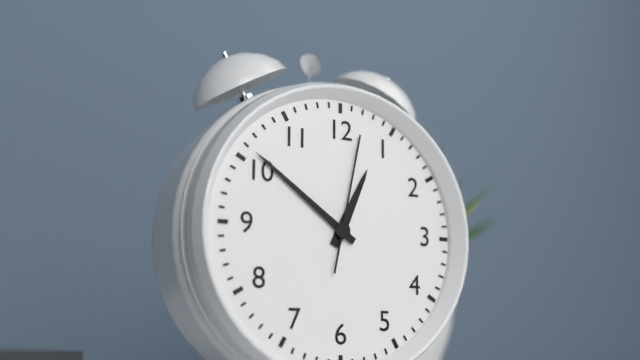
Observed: 12 h 51 min 02 s
